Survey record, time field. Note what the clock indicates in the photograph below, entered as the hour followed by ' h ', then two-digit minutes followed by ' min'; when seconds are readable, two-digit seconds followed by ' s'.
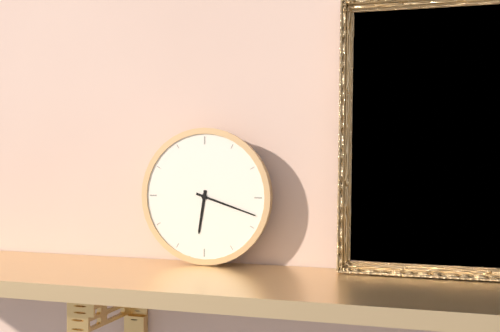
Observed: 6 h 18 min
